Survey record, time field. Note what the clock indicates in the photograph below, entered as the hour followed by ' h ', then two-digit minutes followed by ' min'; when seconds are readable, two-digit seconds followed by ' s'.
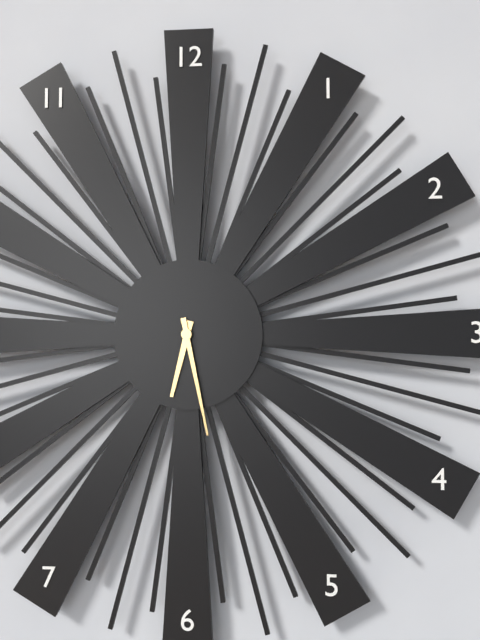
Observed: 6 h 28 min
